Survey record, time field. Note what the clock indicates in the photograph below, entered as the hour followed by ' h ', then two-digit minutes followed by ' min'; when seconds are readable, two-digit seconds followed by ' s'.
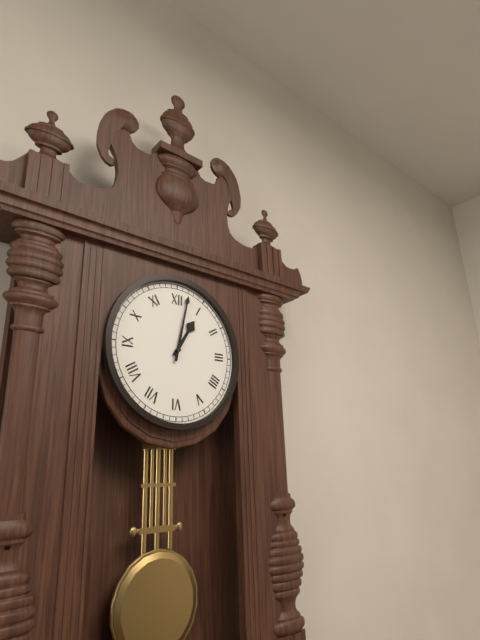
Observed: 1 h 02 min
